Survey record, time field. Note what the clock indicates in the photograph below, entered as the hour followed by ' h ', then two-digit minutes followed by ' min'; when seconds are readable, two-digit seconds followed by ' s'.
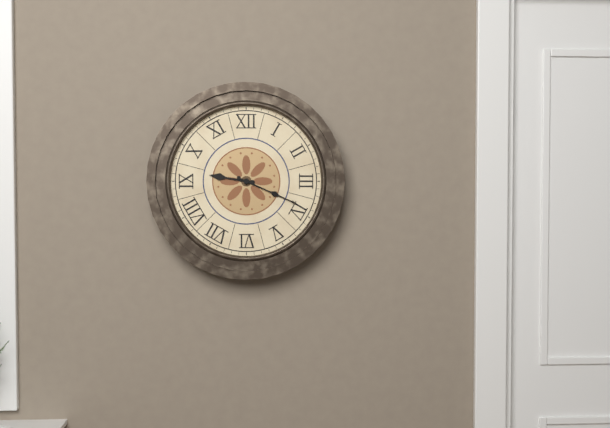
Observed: 9 h 19 min
